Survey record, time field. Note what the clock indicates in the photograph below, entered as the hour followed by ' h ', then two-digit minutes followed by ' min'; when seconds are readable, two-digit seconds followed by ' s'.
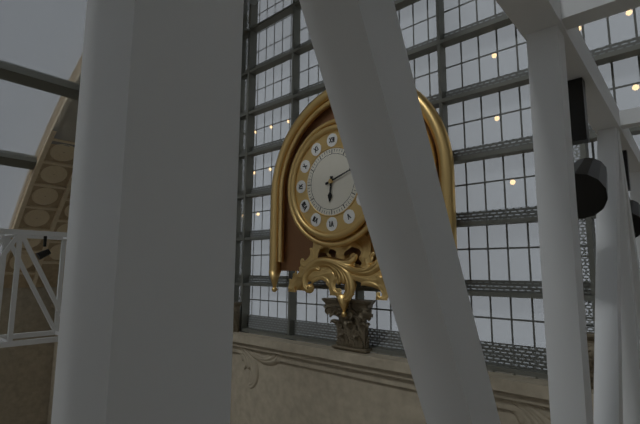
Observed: 6 h 12 min
